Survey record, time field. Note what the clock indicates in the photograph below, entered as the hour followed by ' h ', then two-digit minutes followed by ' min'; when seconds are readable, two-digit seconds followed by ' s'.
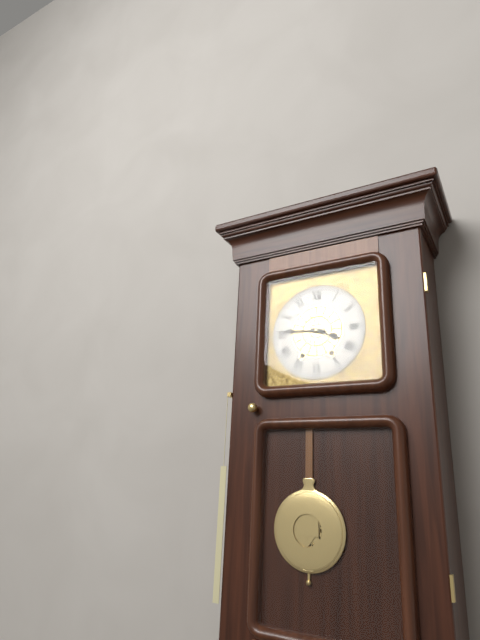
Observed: 3 h 46 min
